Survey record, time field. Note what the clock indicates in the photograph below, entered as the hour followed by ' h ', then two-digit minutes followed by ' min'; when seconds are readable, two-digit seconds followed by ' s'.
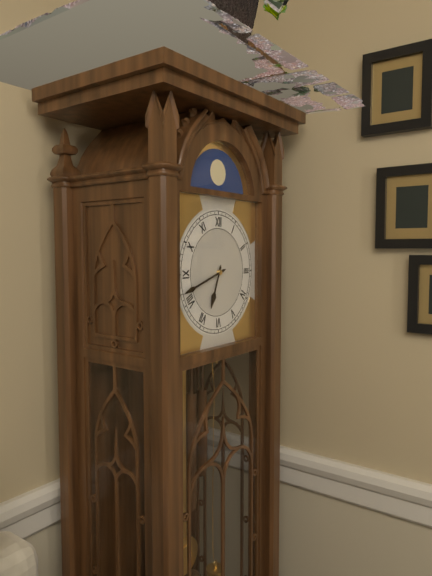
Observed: 6 h 42 min
